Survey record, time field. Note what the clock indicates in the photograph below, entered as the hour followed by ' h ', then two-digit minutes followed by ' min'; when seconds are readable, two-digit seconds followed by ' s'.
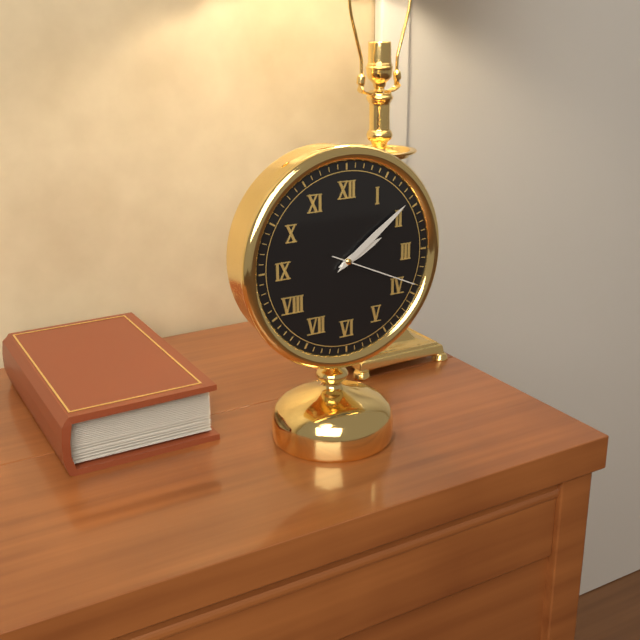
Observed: 2 h 09 min 19 s
